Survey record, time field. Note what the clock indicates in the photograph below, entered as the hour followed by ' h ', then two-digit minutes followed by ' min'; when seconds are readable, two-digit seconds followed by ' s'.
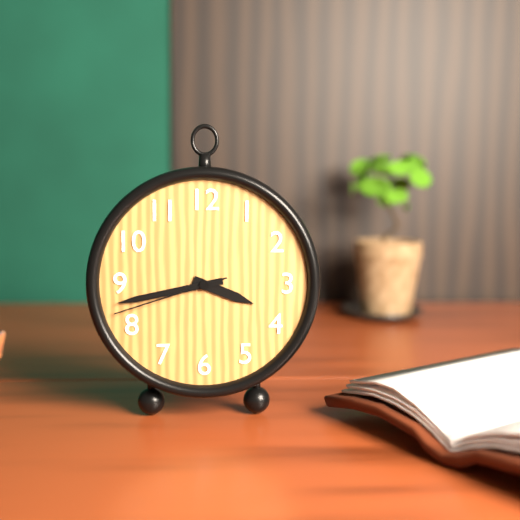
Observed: 3 h 43 min 42 s
